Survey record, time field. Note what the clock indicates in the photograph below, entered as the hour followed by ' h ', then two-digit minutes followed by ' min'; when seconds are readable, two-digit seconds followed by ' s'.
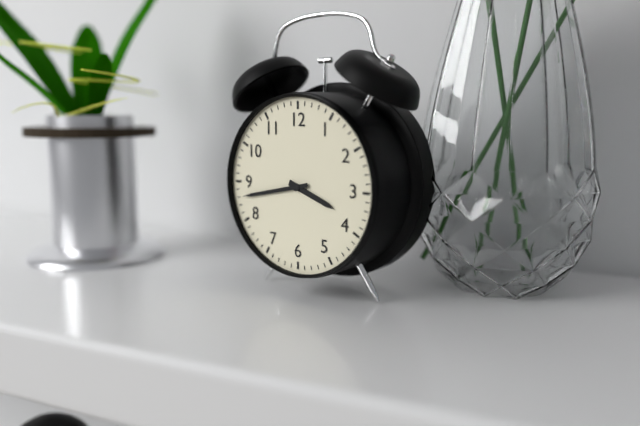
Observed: 3 h 43 min
